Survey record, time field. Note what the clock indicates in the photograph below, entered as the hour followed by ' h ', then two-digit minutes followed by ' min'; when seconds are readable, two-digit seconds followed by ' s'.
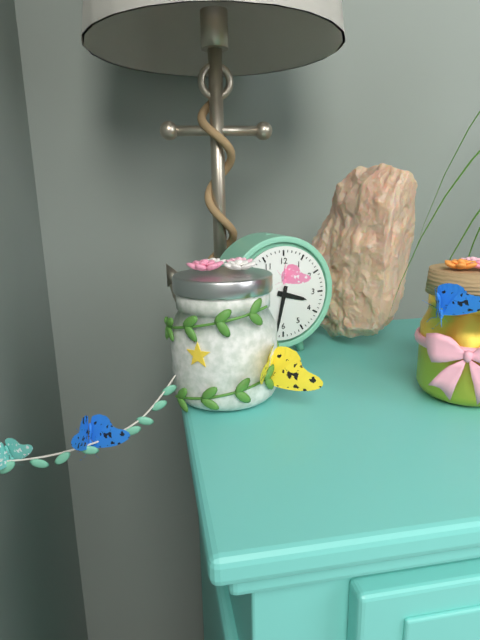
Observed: 3 h 32 min
